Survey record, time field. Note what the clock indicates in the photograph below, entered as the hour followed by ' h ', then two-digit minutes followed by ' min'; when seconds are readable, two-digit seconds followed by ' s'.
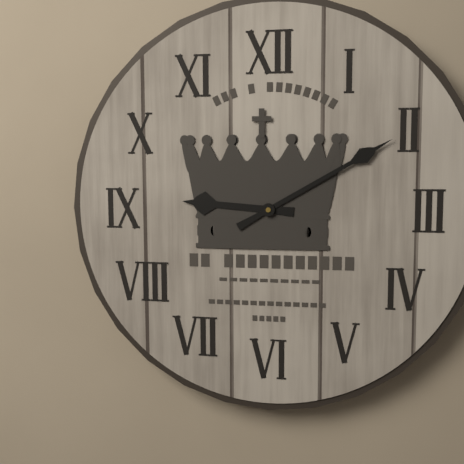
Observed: 9 h 10 min
